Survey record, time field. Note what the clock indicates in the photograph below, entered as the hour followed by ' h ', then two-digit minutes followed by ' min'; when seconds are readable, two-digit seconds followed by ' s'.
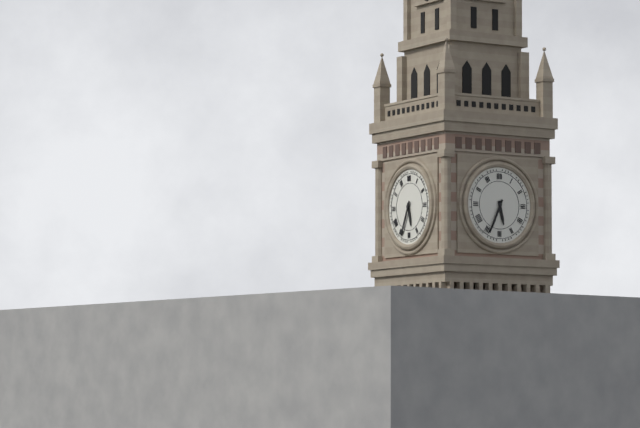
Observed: 5 h 34 min
